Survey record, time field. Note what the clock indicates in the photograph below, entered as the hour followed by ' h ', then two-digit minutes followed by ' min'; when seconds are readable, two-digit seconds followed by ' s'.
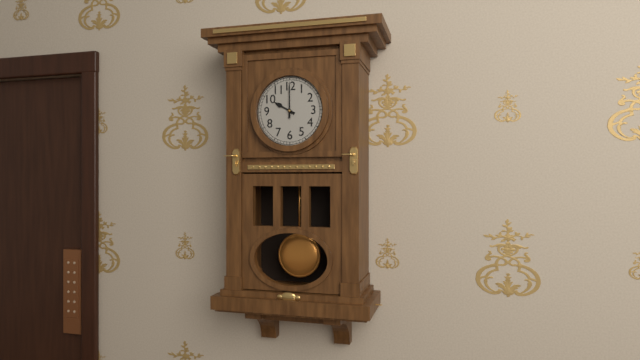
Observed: 10 h 00 min
